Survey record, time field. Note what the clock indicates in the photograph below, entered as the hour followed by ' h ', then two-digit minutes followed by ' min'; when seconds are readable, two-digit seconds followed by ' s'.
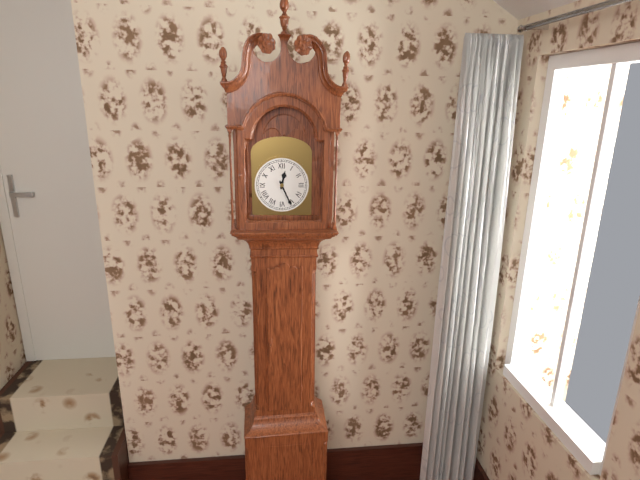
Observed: 12 h 26 min
